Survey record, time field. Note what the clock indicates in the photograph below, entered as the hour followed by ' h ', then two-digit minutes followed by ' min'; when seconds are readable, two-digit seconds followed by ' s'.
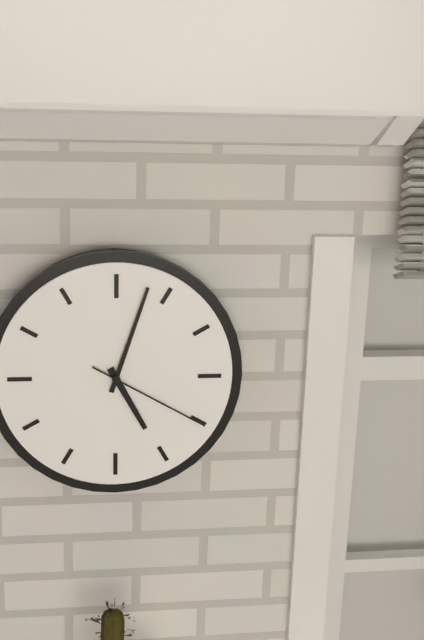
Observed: 5 h 03 min 20 s
